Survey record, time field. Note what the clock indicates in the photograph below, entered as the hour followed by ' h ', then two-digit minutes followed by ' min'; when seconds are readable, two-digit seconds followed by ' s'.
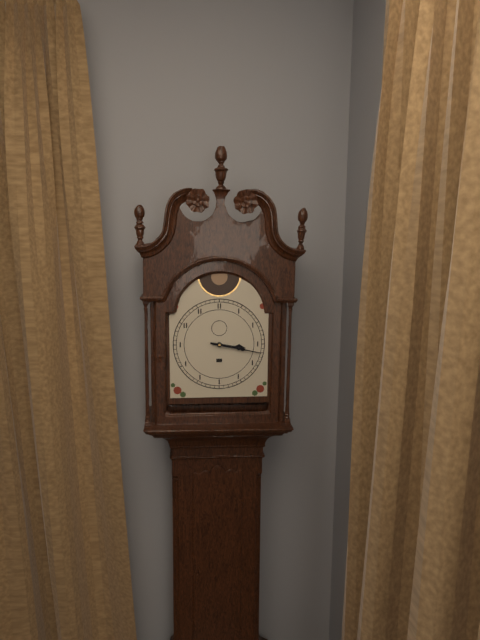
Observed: 3 h 17 min
